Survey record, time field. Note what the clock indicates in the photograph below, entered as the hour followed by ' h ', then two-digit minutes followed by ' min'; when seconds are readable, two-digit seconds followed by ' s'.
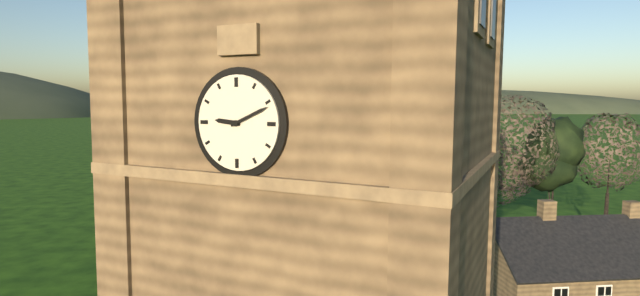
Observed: 9 h 11 min
